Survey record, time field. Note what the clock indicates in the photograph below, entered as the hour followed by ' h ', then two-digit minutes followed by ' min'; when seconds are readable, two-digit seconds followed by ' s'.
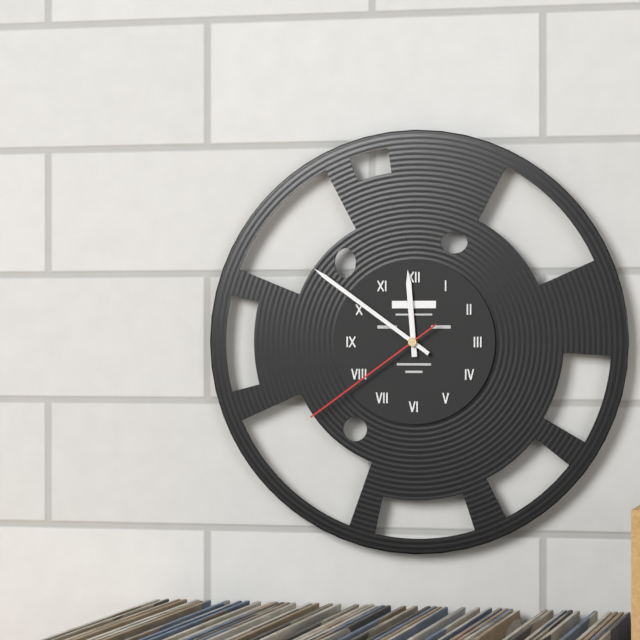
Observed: 11 h 51 min 39 s
